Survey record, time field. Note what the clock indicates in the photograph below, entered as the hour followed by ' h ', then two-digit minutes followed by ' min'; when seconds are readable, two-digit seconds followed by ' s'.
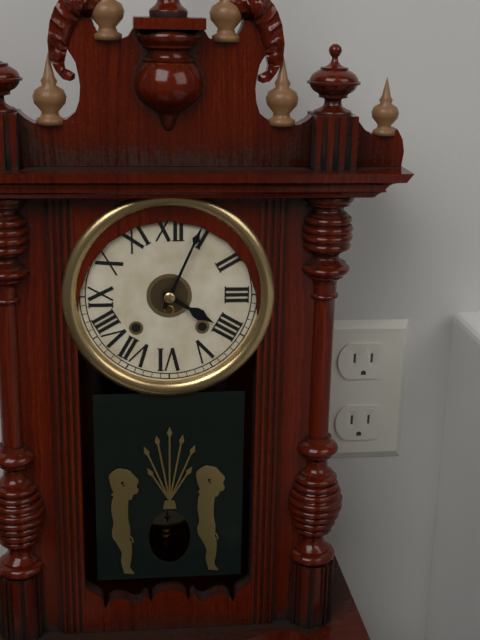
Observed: 4 h 04 min
